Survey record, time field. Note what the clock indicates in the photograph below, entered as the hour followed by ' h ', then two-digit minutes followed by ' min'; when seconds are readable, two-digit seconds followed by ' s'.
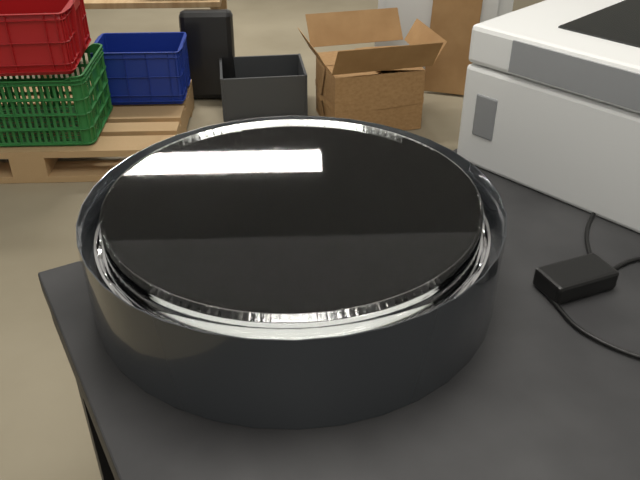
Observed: 12 h 00 min
